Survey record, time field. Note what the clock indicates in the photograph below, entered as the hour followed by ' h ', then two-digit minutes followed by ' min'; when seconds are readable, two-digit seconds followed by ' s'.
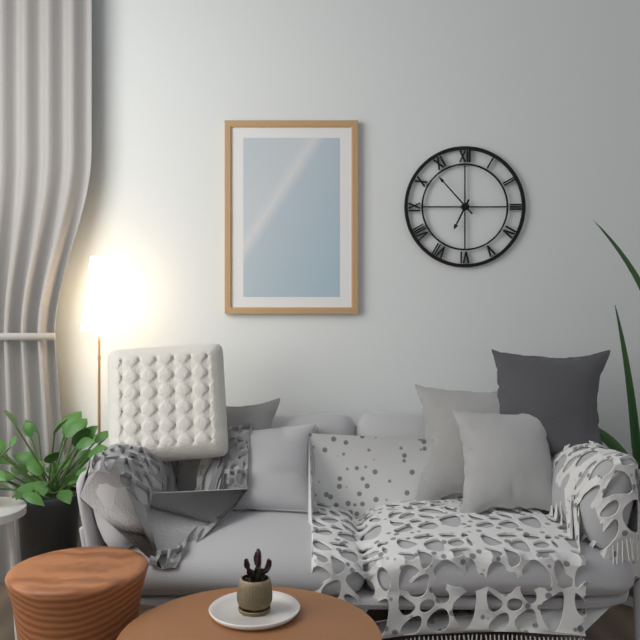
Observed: 6 h 53 min
